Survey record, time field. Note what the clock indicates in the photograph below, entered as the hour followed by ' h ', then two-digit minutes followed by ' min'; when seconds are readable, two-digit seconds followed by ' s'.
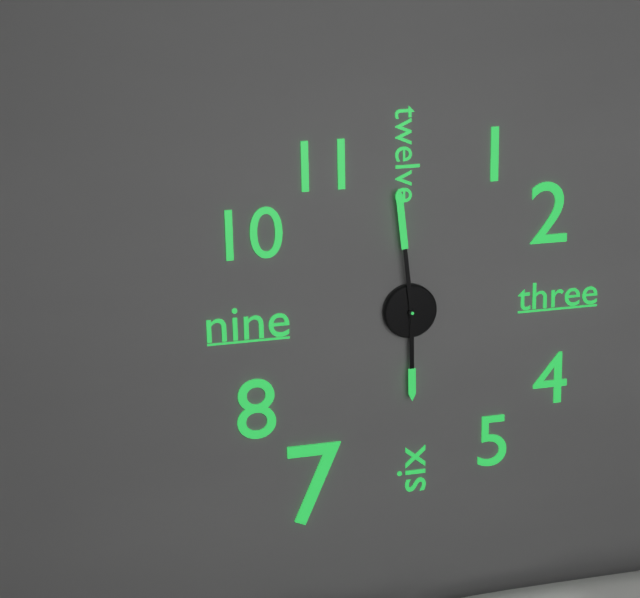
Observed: 5 h 59 min
